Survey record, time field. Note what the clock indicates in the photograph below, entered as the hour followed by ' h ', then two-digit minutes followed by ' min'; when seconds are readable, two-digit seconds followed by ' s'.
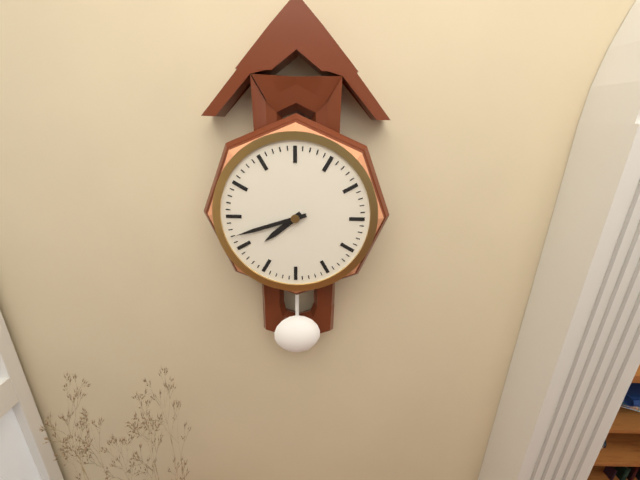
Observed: 7 h 42 min
